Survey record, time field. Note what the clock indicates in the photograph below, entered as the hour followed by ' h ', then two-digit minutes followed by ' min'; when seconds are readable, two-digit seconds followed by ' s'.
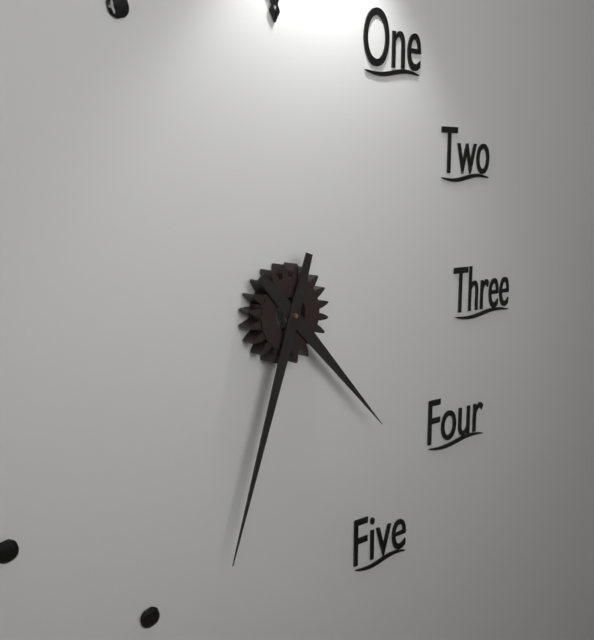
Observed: 4 h 33 min
